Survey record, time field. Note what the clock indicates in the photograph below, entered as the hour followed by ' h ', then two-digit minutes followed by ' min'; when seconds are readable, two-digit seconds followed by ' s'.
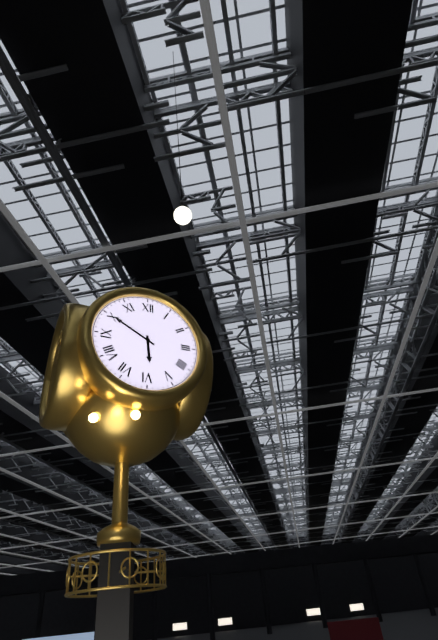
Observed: 5 h 50 min
